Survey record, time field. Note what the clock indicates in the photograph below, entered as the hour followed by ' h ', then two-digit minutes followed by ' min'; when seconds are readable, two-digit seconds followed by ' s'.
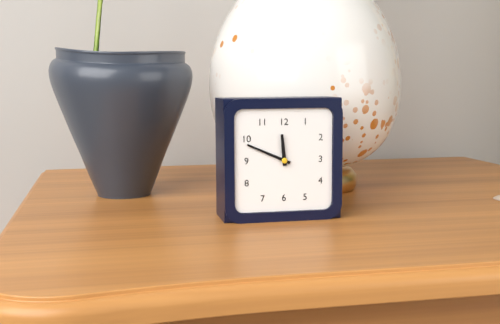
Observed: 11 h 49 min
